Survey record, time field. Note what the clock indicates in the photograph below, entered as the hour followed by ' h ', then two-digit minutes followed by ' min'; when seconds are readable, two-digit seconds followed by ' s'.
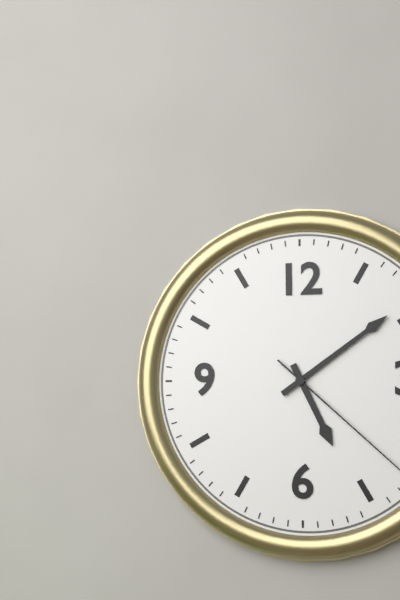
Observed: 5 h 09 min
